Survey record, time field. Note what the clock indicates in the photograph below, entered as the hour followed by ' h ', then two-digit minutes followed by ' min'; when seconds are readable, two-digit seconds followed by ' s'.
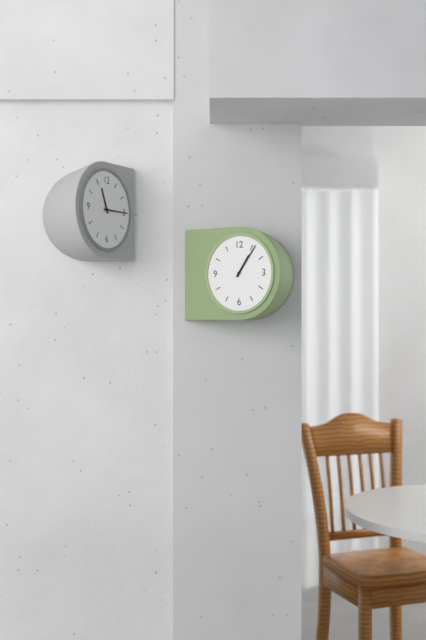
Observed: 1 h 06 min
